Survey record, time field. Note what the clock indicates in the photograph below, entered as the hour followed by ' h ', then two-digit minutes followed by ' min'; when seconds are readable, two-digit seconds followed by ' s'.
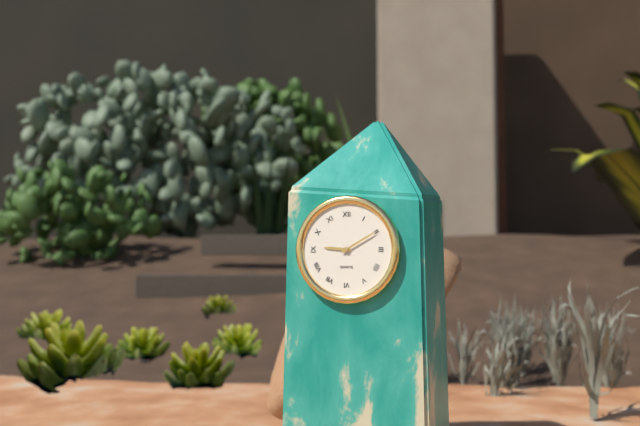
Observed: 9 h 10 min
